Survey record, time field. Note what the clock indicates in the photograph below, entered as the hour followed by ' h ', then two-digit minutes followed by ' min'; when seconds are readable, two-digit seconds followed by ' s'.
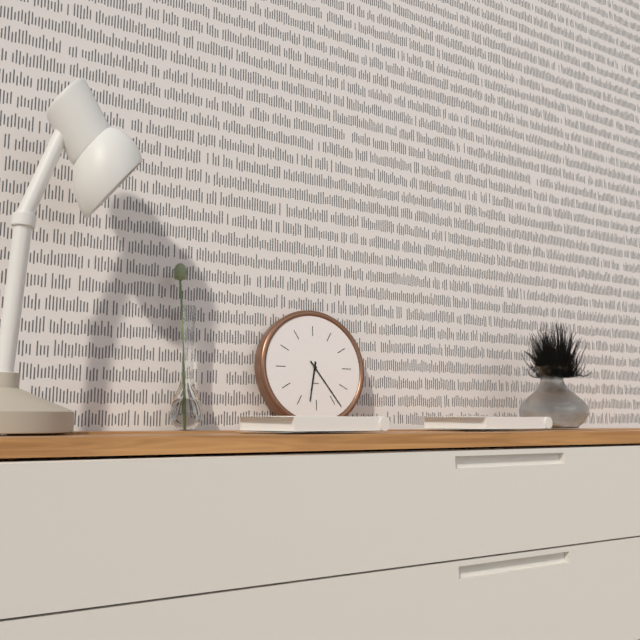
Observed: 6 h 24 min
